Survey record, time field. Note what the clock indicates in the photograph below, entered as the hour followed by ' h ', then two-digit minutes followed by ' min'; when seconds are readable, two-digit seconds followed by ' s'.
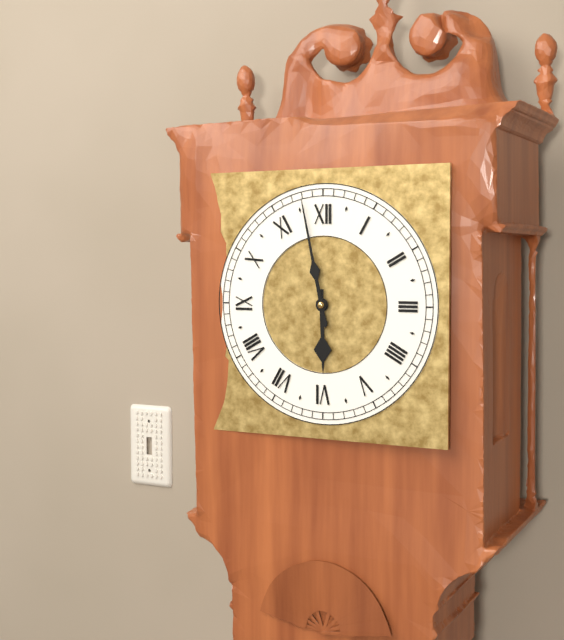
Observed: 5 h 58 min
